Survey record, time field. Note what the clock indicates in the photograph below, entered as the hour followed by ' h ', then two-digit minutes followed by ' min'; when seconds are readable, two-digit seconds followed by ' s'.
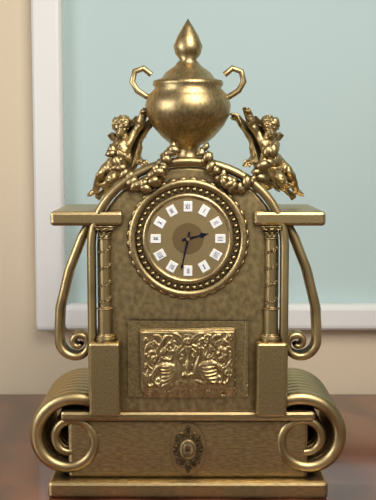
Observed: 2 h 32 min
